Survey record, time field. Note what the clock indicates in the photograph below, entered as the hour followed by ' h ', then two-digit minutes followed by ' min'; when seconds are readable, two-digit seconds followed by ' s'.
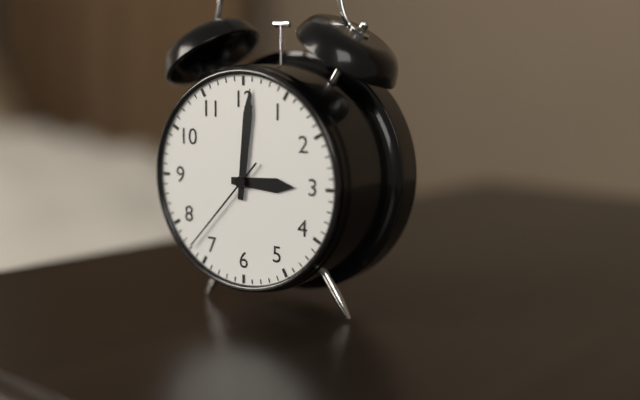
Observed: 3 h 01 min 37 s
